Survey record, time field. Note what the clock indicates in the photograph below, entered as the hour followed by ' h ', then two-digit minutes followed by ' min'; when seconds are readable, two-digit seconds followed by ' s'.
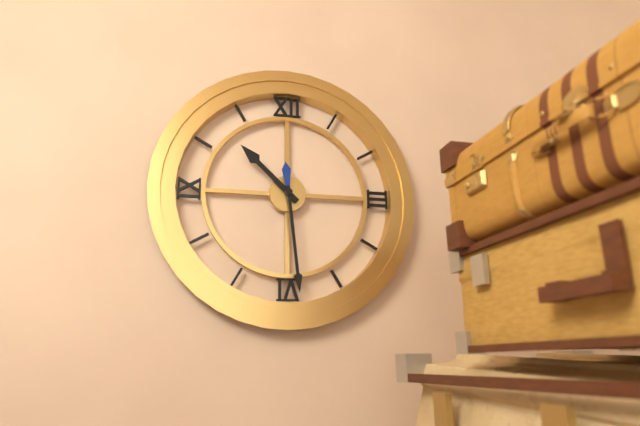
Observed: 10 h 29 min
